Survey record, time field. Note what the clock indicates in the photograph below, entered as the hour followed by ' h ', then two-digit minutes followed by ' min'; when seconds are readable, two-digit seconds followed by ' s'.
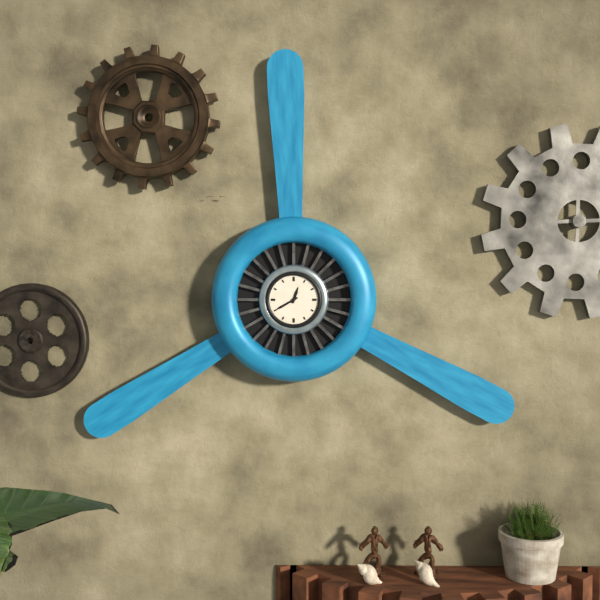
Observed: 12 h 40 min
